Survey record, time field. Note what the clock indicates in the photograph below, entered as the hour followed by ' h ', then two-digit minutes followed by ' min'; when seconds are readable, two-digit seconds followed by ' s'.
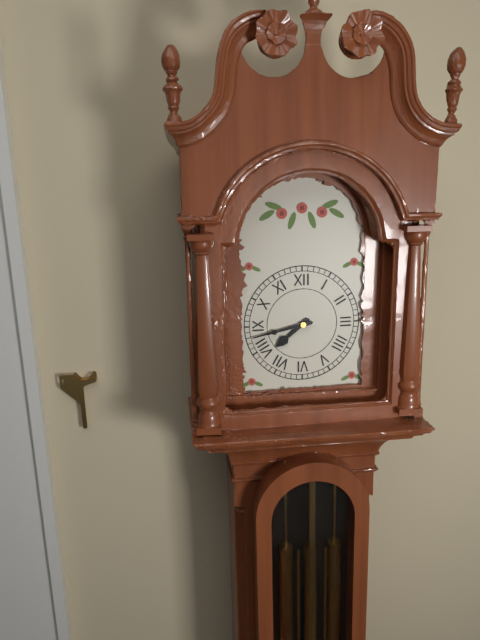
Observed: 7 h 43 min
